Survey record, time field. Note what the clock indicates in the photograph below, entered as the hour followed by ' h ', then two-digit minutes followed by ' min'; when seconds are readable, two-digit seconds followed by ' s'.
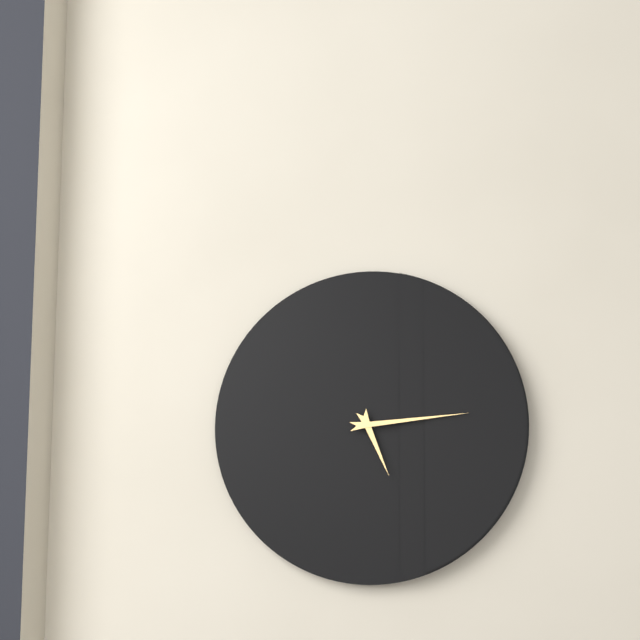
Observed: 5 h 14 min
